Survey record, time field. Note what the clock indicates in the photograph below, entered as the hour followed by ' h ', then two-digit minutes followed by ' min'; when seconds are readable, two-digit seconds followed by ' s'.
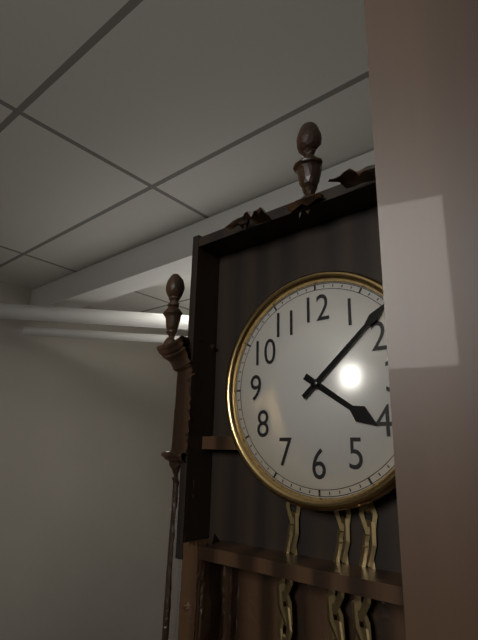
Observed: 4 h 08 min
